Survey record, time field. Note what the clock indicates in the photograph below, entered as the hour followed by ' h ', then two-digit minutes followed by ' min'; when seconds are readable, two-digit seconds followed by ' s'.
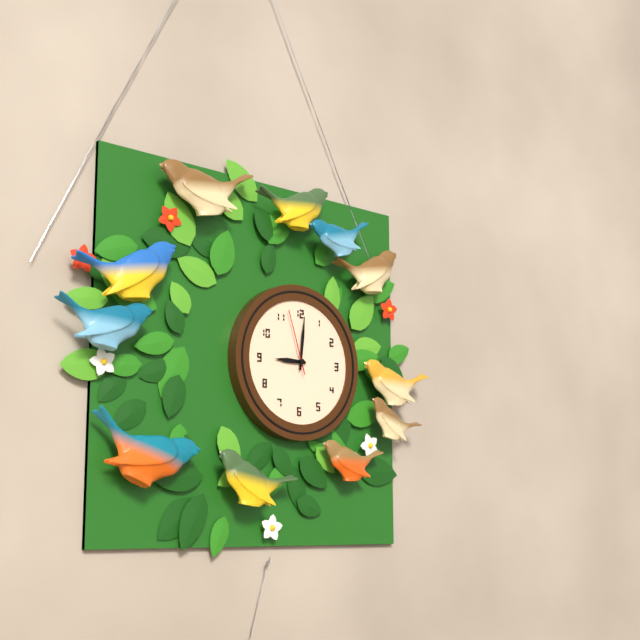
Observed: 9 h 01 min 57 s
